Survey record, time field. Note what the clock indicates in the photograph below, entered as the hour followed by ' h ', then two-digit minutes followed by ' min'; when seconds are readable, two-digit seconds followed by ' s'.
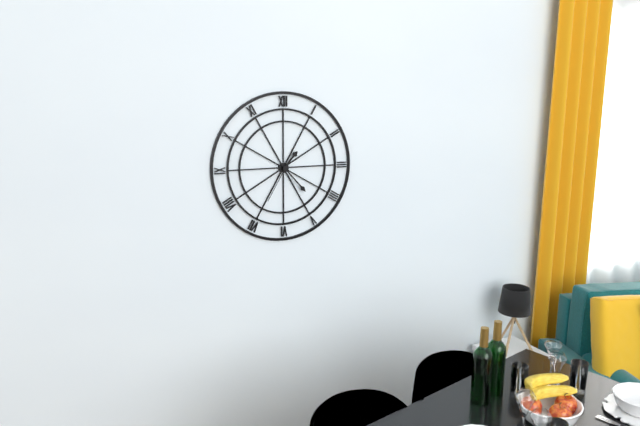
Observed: 1 h 23 min
